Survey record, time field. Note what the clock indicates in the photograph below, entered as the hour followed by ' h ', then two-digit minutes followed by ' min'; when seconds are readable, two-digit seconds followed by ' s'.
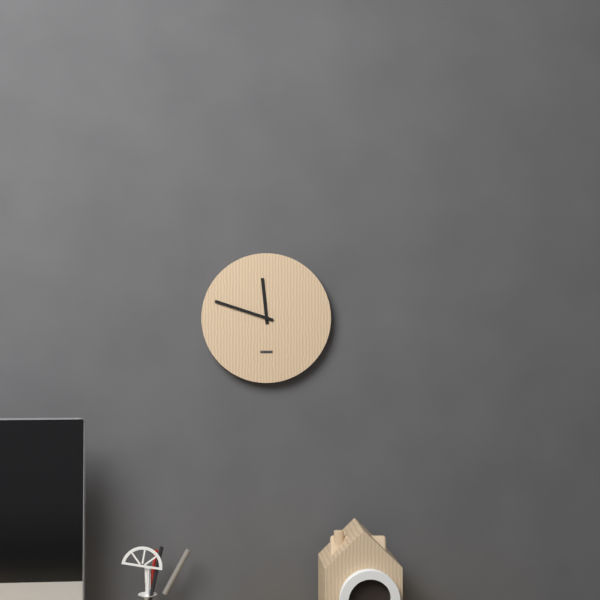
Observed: 11 h 48 min
